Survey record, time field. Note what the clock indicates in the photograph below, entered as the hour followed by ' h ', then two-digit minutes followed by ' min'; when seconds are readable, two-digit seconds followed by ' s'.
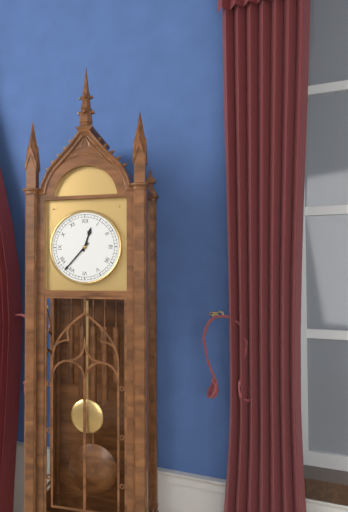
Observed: 12 h 37 min
